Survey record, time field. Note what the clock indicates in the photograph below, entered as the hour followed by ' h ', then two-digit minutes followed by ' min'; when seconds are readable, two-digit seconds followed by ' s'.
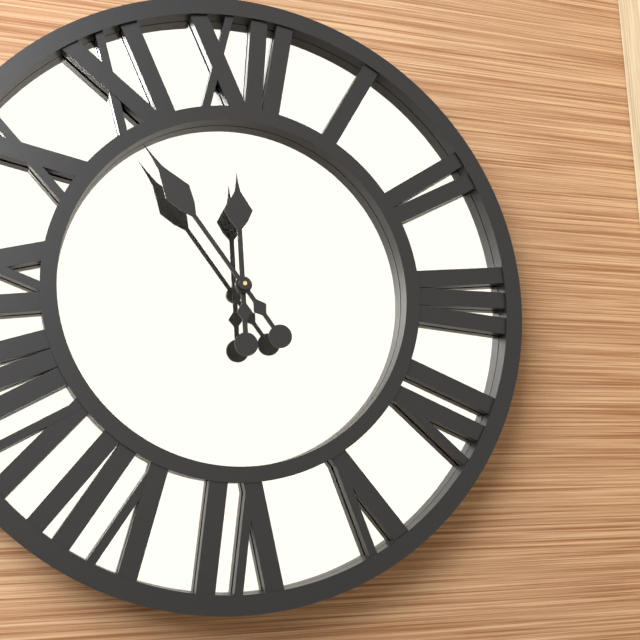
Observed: 11 h 54 min
